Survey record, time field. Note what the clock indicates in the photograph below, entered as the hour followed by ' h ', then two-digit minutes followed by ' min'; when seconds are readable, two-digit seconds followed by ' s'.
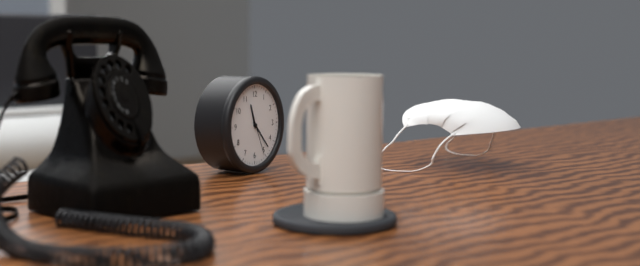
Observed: 11 h 23 min
